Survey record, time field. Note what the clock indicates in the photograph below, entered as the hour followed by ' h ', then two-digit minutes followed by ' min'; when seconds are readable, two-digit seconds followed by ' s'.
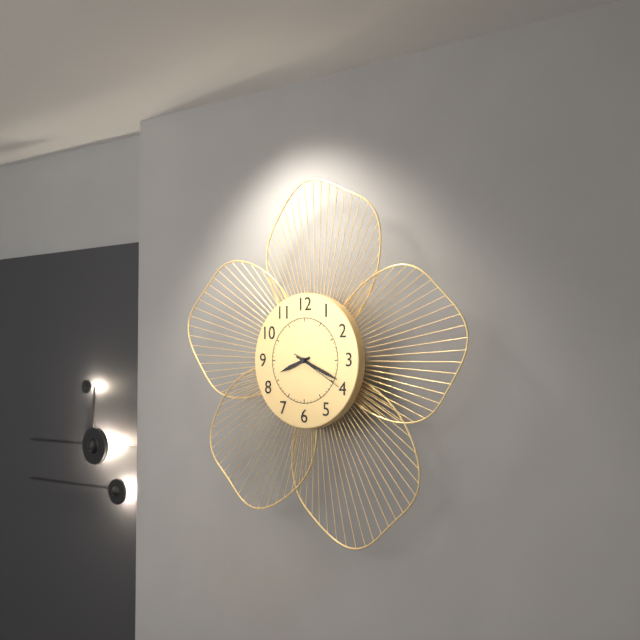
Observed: 8 h 19 min 20 s
